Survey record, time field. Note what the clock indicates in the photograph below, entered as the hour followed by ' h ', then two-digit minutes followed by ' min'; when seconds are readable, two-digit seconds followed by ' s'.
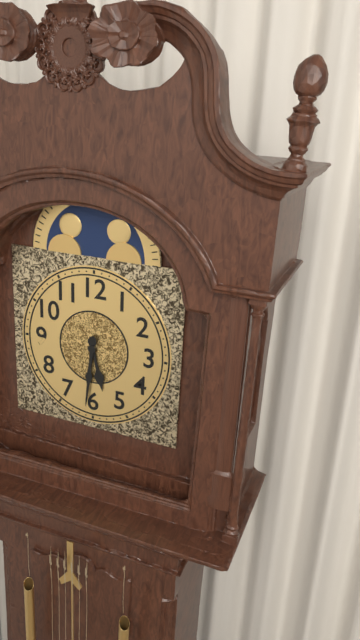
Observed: 5 h 31 min
